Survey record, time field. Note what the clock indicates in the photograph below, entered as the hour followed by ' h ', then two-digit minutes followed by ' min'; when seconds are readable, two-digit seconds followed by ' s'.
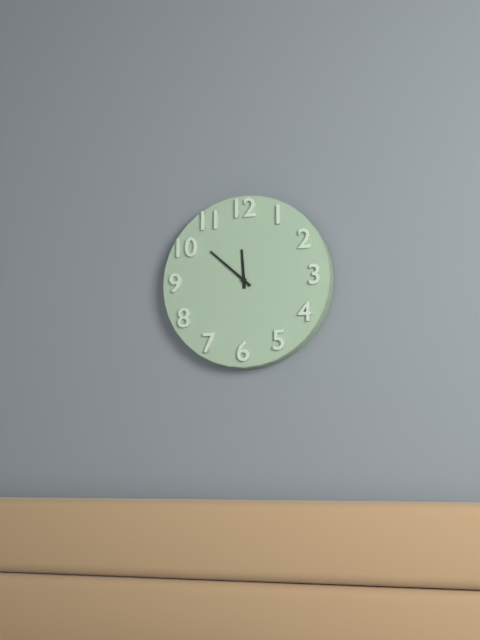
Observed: 11 h 52 min
